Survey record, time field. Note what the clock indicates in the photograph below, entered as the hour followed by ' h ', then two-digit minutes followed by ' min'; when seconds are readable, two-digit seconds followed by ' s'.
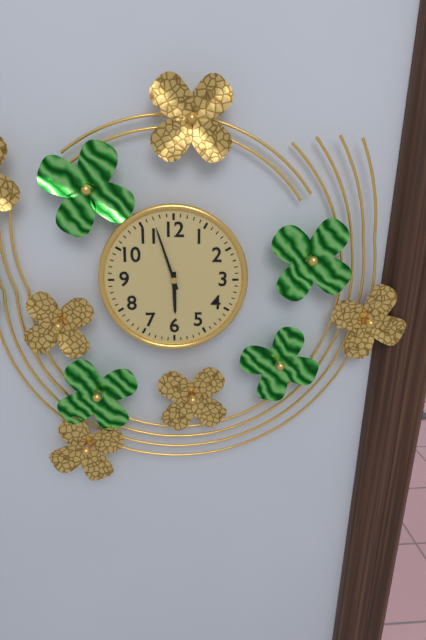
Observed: 5 h 57 min
